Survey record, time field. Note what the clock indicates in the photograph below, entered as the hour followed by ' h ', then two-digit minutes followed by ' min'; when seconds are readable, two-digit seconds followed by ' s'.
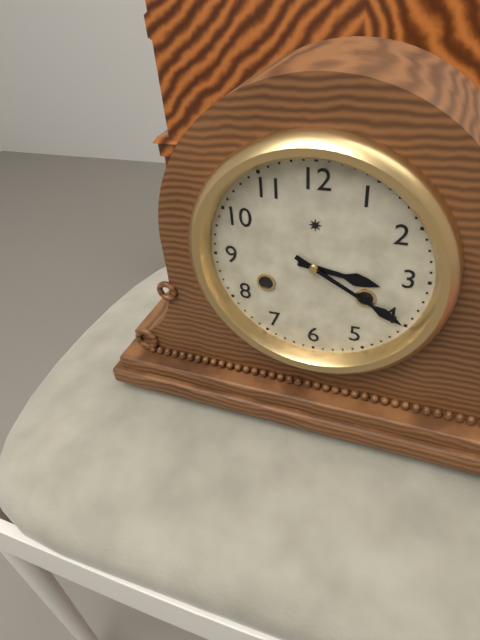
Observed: 3 h 20 min
